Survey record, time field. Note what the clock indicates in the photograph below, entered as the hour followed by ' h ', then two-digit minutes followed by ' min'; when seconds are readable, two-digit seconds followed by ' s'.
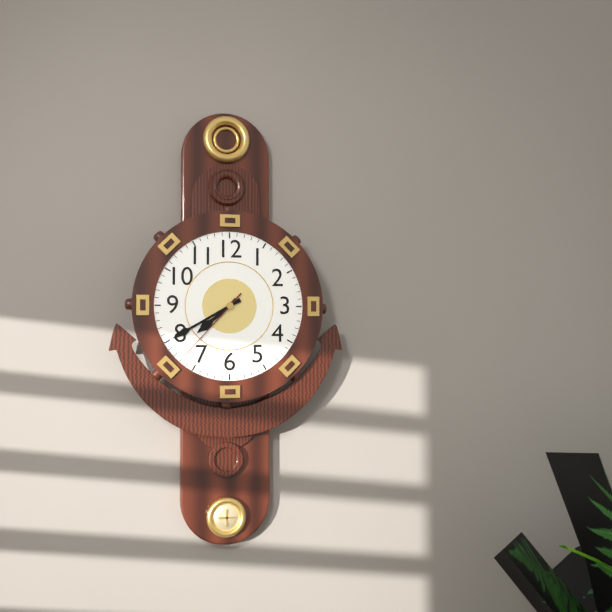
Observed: 7 h 40 min 37 s
